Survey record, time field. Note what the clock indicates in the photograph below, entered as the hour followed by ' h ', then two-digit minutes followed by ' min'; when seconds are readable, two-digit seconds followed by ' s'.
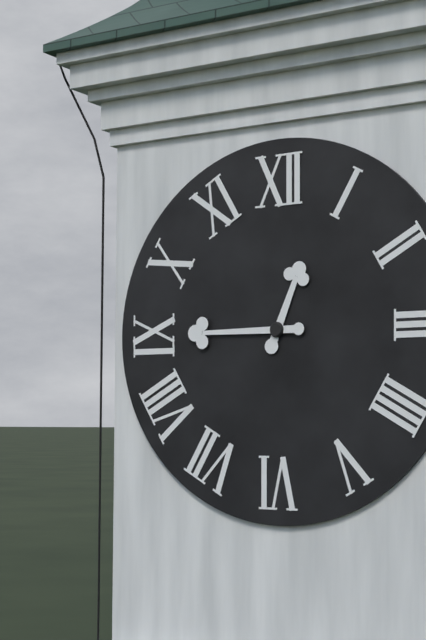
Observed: 12 h 45 min
